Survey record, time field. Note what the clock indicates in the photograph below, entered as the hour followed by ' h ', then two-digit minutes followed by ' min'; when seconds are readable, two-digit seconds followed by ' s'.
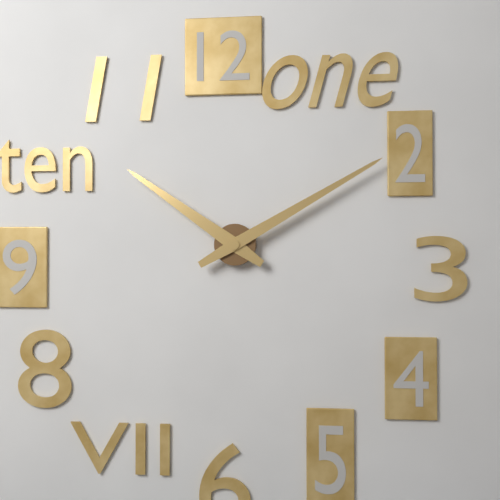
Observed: 10 h 10 min
